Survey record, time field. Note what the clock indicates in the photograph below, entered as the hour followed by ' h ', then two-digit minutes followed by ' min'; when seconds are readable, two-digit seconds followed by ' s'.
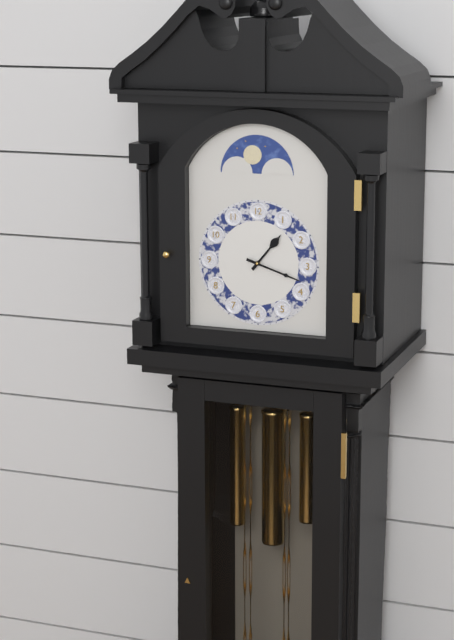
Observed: 1 h 18 min
